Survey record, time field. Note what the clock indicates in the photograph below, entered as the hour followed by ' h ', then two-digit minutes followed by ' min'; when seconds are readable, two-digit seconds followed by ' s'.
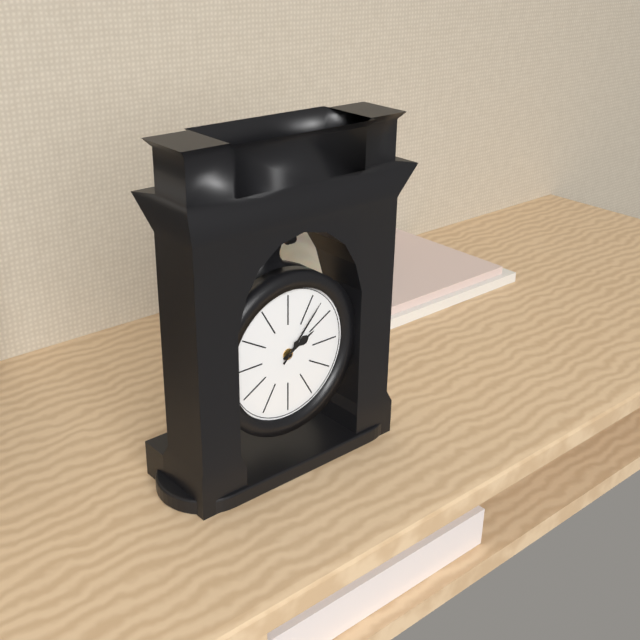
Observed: 2 h 07 min
